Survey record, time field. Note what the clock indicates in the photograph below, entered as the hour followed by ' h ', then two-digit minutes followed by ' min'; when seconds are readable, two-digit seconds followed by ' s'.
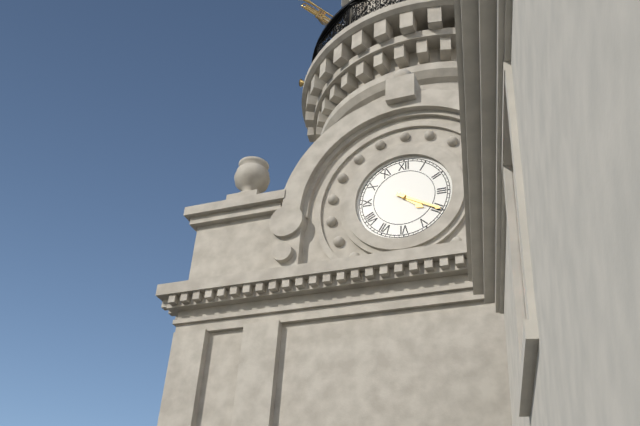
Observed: 4 h 20 min
